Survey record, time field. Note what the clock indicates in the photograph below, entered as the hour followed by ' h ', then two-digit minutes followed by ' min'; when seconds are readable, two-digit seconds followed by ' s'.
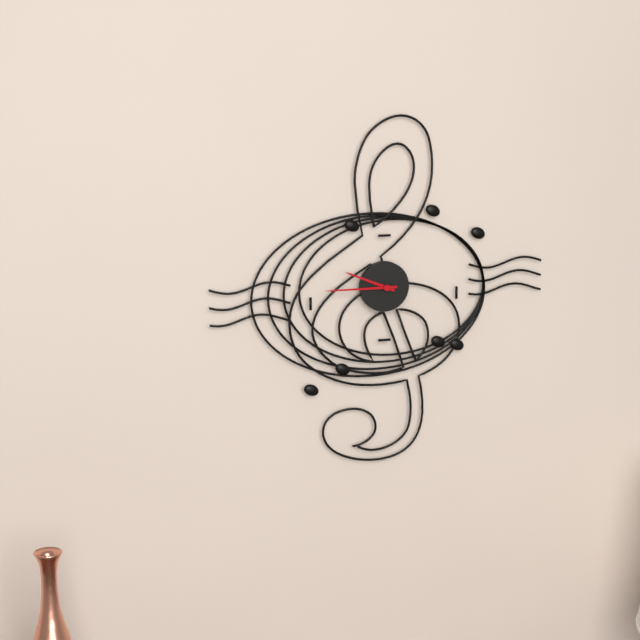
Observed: 9 h 45 min
